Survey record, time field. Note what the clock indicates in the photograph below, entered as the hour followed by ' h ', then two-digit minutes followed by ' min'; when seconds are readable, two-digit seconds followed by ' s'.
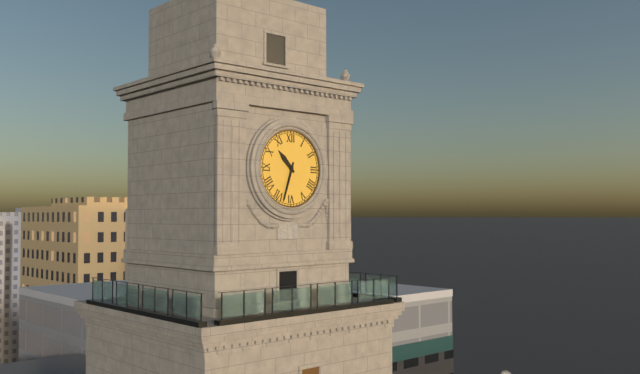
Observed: 10 h 33 min
